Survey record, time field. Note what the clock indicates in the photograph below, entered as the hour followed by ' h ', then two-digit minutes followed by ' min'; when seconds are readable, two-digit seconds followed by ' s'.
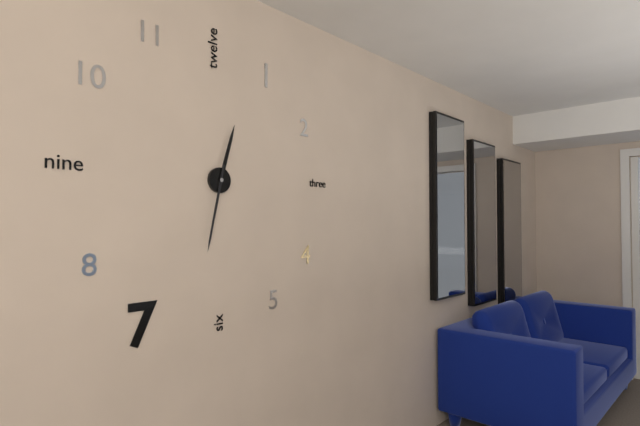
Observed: 12 h 32 min
